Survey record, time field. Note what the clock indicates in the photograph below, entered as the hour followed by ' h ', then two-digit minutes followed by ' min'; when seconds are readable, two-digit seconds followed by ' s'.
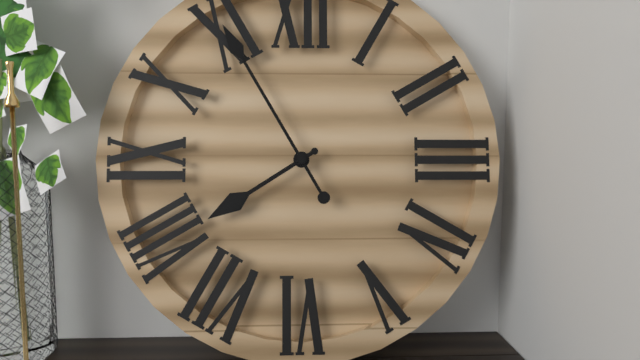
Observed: 7 h 55 min
